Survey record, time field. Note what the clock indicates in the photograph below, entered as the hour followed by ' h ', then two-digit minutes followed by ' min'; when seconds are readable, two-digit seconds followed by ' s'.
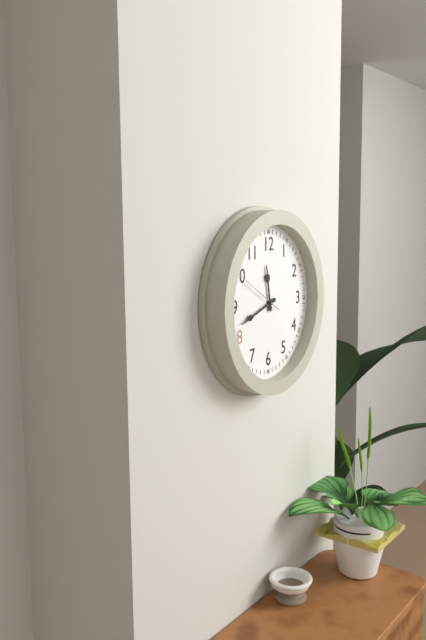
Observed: 11 h 42 min 50 s
